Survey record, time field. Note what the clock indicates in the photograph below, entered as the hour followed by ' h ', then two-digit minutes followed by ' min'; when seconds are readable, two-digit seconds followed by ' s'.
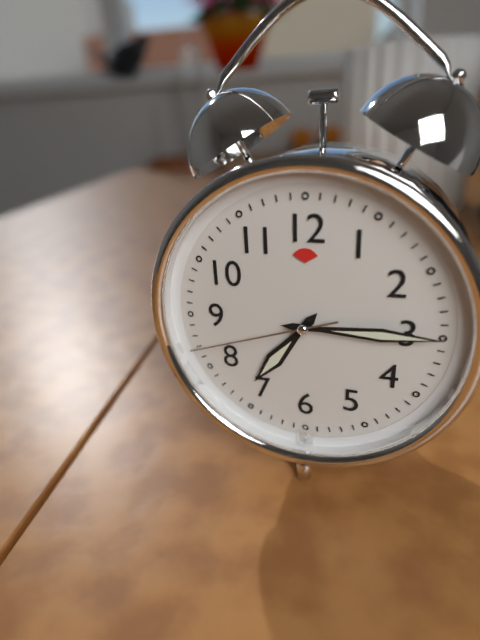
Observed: 7 h 15 min 42 s
